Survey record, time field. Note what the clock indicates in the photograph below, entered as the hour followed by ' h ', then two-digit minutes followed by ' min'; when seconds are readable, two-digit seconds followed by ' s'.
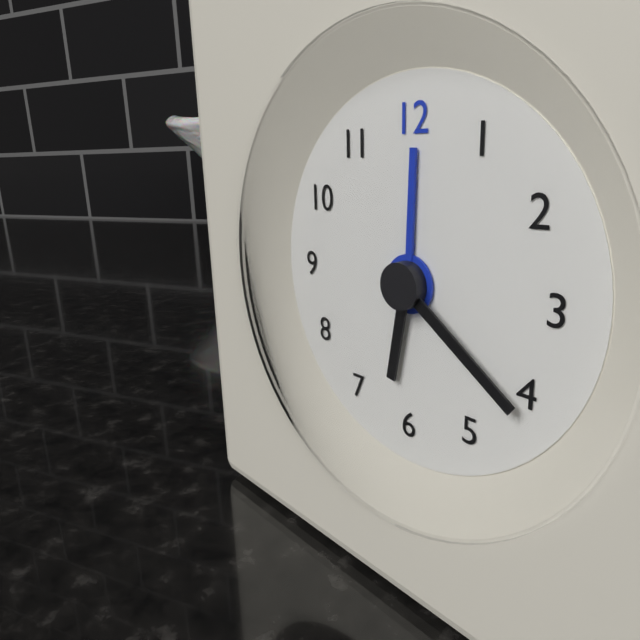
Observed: 6 h 21 min
